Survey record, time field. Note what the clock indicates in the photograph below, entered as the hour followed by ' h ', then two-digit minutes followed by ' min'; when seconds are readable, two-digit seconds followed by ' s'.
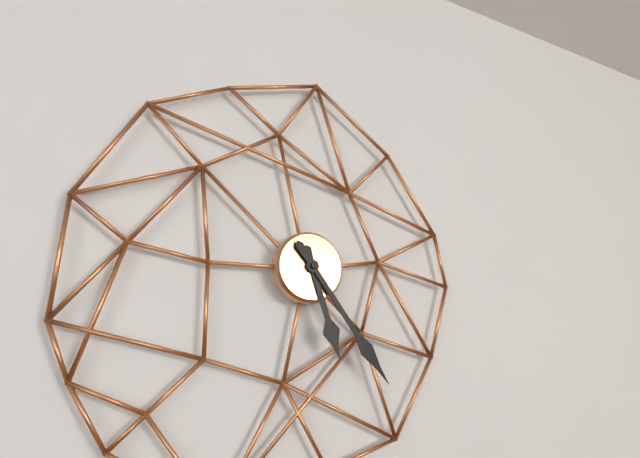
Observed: 5 h 24 min
